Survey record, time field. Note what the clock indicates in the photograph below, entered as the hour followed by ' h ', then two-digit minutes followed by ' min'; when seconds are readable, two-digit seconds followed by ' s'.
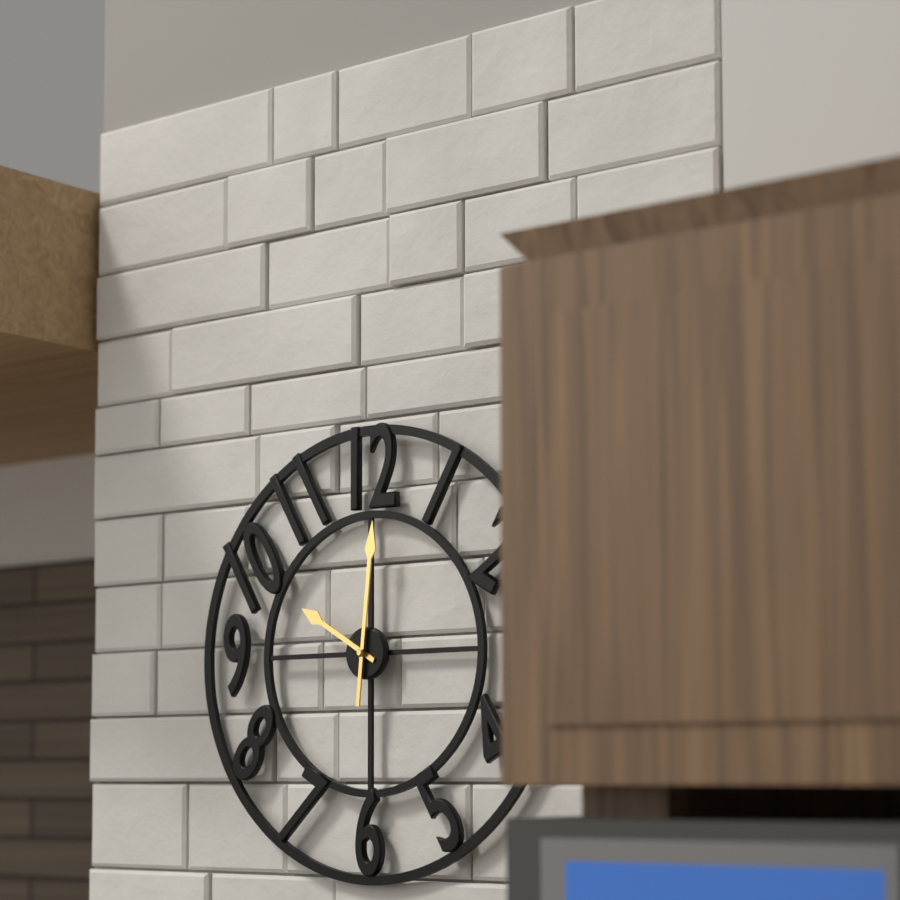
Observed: 10 h 01 min
